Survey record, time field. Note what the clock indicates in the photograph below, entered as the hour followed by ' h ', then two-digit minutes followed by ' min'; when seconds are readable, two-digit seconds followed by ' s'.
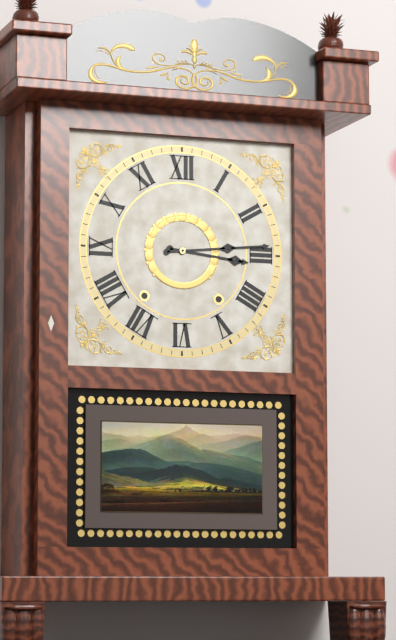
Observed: 3 h 14 min
